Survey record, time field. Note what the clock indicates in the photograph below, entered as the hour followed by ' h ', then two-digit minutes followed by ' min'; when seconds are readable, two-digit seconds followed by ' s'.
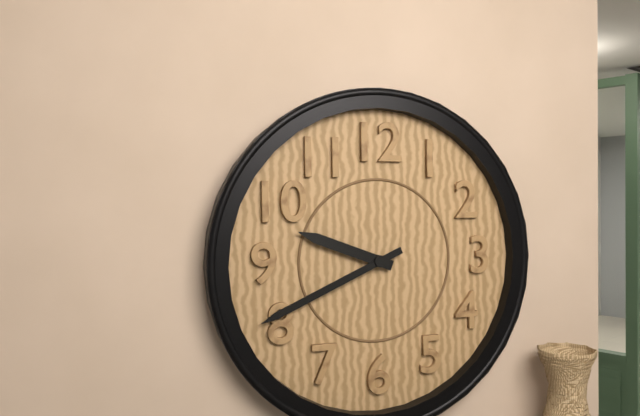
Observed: 9 h 41 min
